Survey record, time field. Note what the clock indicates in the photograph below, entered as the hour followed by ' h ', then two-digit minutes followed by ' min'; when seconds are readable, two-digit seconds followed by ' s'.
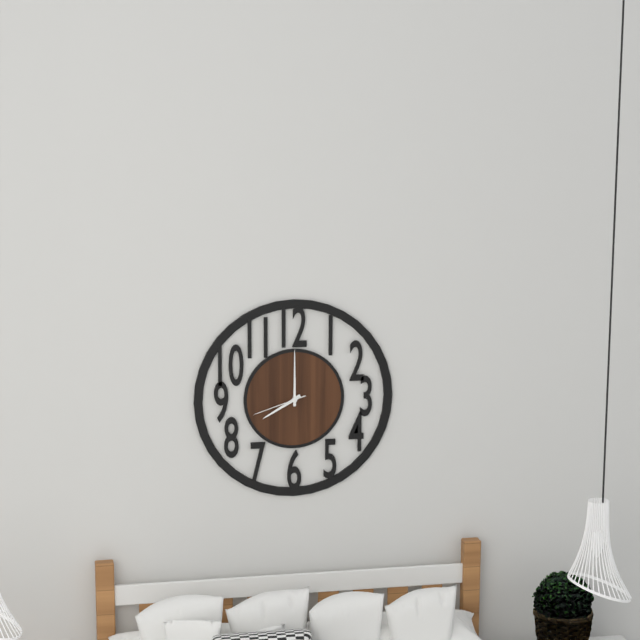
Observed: 8 h 00 min 42 s
